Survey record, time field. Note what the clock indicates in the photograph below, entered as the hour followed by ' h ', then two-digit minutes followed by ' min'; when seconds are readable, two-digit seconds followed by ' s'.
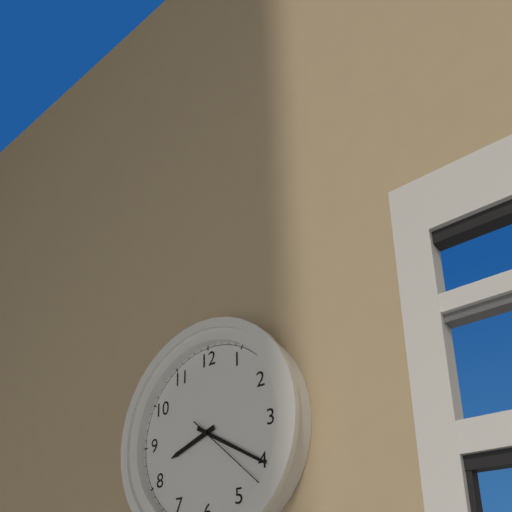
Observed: 8 h 20 min 22 s
